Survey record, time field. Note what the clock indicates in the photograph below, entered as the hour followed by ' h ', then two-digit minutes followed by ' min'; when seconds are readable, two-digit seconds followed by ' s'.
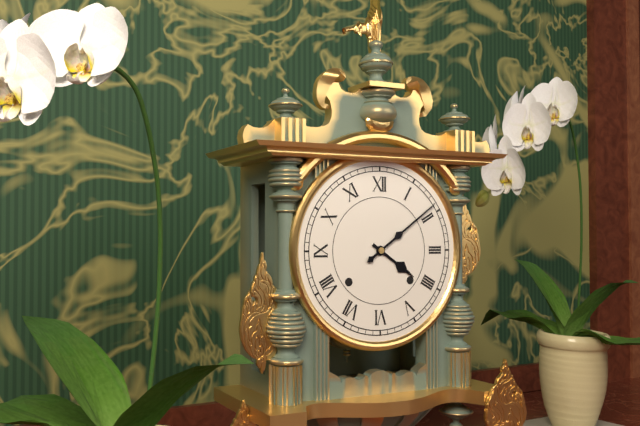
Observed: 4 h 09 min
